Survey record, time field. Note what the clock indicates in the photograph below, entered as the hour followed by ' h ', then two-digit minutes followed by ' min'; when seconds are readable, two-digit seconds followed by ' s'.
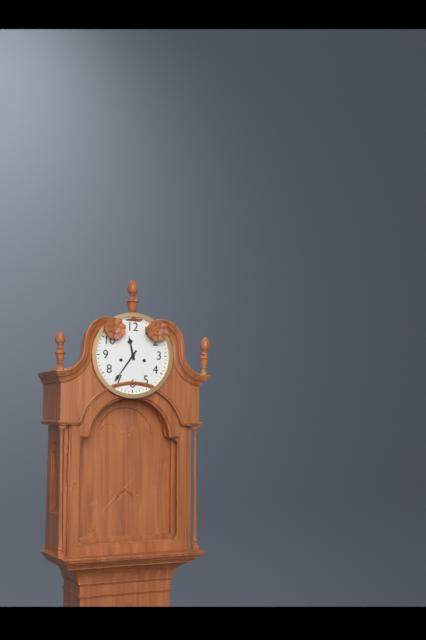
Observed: 11 h 36 min
